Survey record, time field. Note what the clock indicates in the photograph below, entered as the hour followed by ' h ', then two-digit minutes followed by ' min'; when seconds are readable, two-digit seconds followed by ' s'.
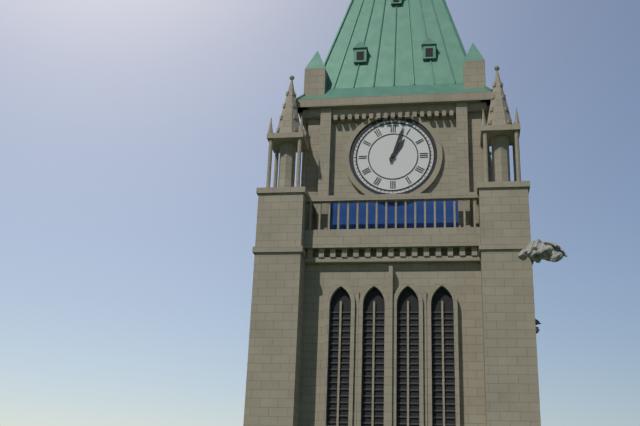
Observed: 1 h 03 min
